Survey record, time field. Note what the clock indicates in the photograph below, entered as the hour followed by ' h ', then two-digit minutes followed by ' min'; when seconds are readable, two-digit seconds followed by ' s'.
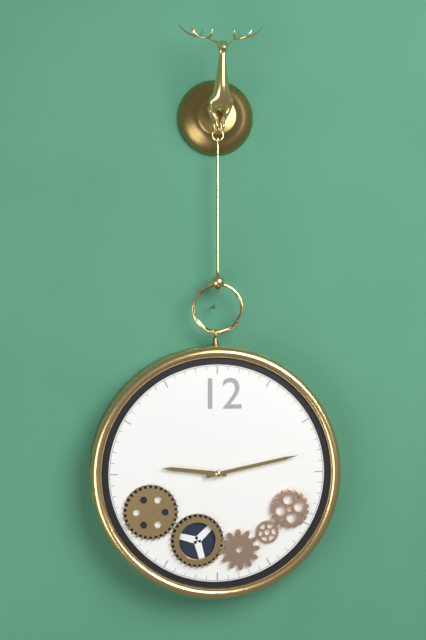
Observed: 9 h 13 min
